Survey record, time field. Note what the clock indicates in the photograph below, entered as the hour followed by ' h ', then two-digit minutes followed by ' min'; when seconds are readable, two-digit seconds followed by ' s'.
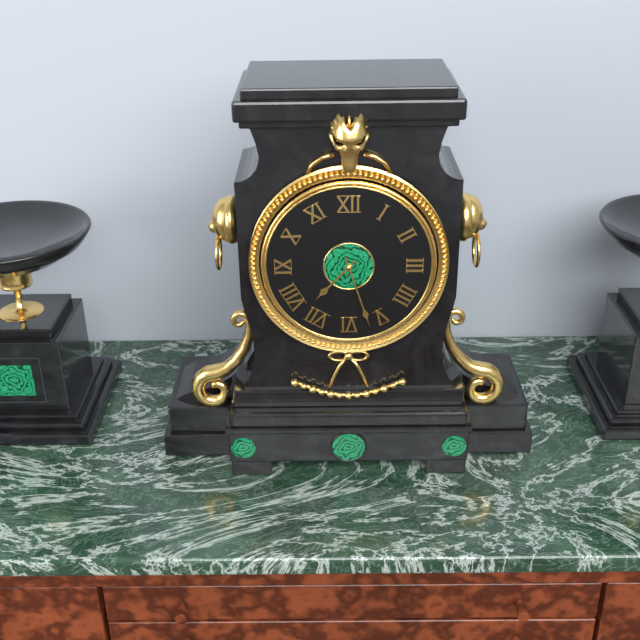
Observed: 7 h 27 min
